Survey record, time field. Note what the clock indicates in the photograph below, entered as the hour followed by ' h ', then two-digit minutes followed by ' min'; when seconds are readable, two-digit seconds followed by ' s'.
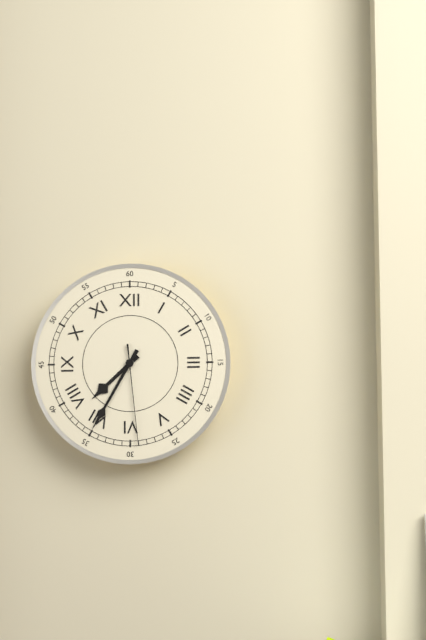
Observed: 7 h 35 min 29 s
